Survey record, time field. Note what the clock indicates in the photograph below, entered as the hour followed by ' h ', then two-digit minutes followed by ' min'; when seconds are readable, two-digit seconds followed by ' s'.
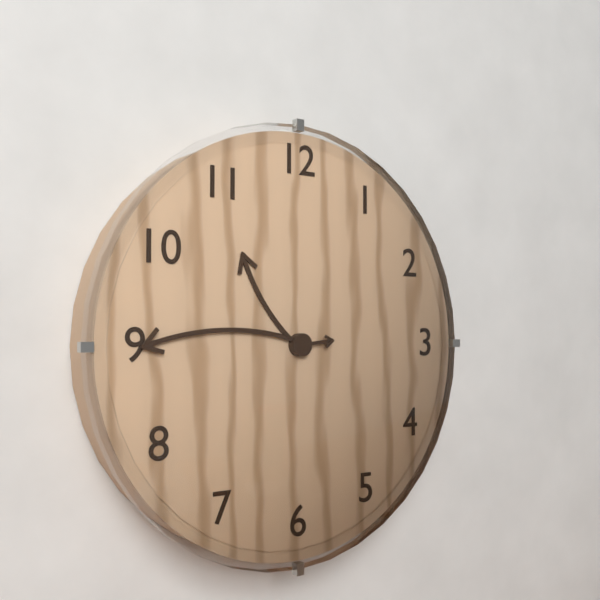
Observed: 10 h 45 min
